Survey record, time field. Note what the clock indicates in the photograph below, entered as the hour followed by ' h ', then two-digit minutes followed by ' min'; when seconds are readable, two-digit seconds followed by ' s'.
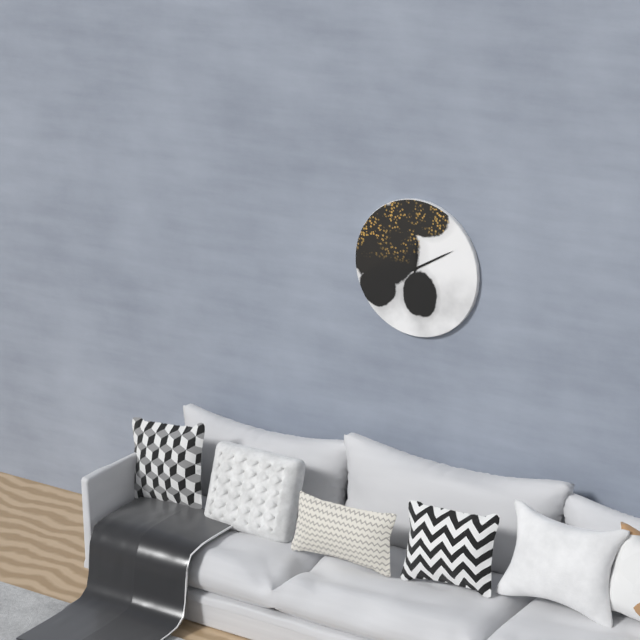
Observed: 12 h 10 min
